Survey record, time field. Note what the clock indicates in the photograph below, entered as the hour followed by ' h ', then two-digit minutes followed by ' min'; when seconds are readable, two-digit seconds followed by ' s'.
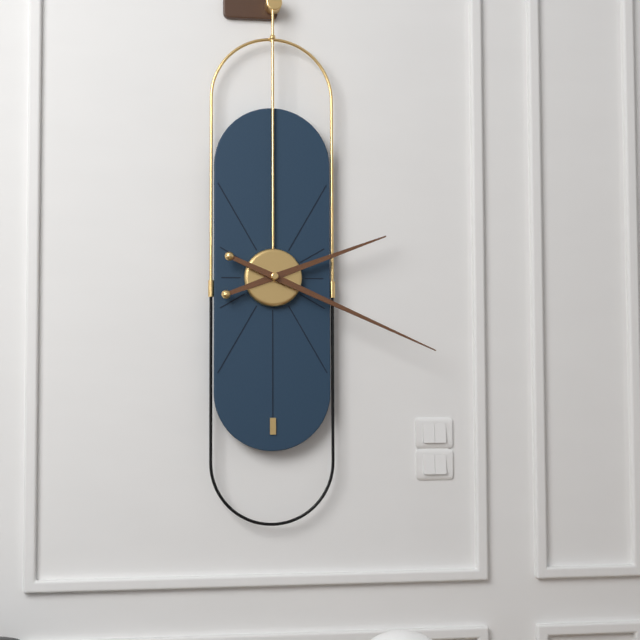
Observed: 2 h 19 min
